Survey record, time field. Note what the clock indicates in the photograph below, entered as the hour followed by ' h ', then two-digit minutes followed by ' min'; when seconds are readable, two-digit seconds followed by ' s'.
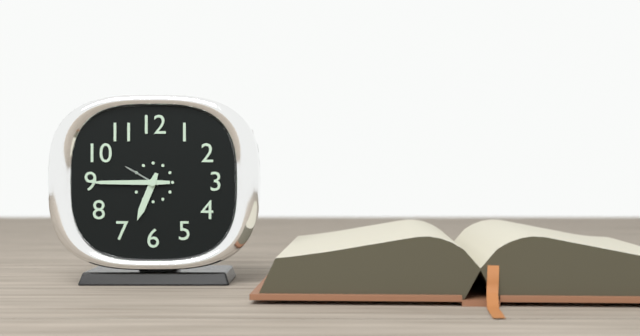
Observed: 6 h 45 min
